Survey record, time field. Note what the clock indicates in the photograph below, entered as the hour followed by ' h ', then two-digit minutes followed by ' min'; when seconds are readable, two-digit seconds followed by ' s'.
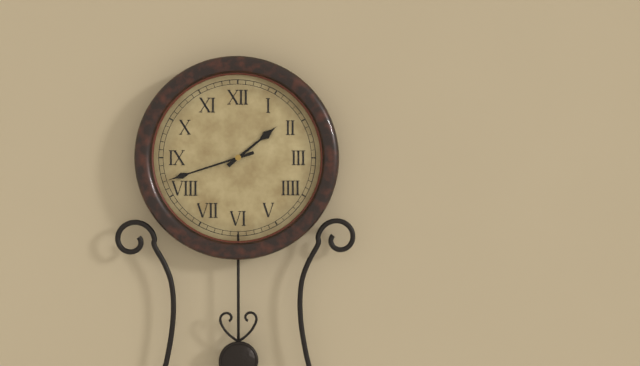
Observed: 1 h 42 min
